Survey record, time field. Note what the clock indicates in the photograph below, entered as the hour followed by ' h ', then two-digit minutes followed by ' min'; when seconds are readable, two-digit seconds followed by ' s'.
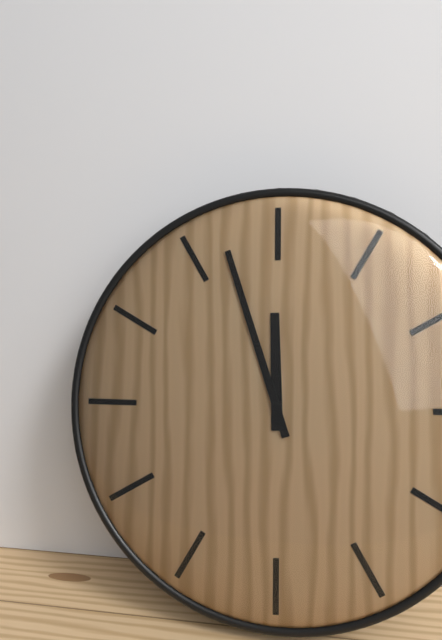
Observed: 11 h 57 min
